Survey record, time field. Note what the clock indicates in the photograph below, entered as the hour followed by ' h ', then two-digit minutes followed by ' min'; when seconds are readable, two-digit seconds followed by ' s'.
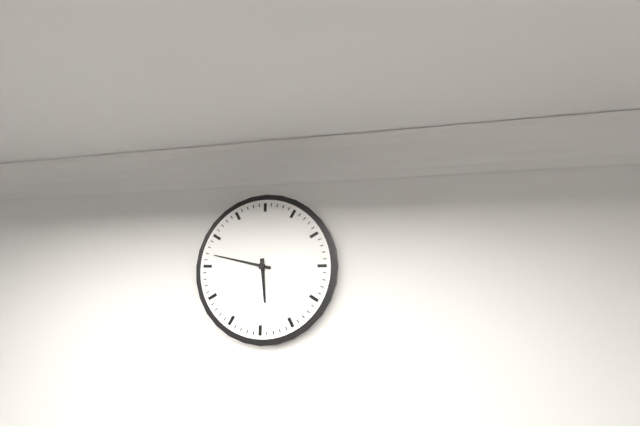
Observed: 5 h 47 min
